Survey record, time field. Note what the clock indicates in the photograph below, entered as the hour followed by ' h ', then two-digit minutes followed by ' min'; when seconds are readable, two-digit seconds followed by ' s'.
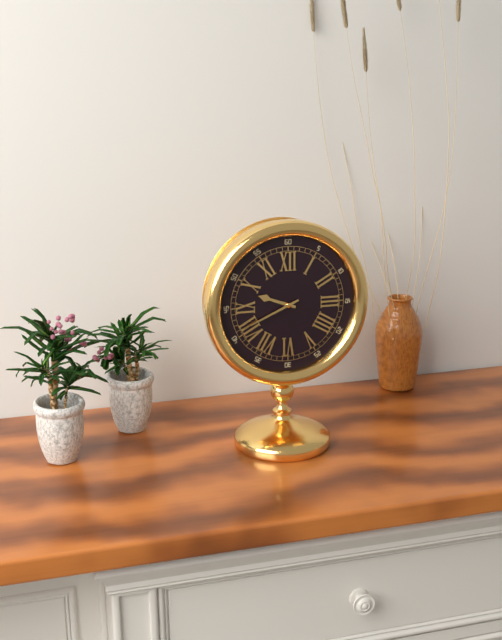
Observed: 9 h 41 min
